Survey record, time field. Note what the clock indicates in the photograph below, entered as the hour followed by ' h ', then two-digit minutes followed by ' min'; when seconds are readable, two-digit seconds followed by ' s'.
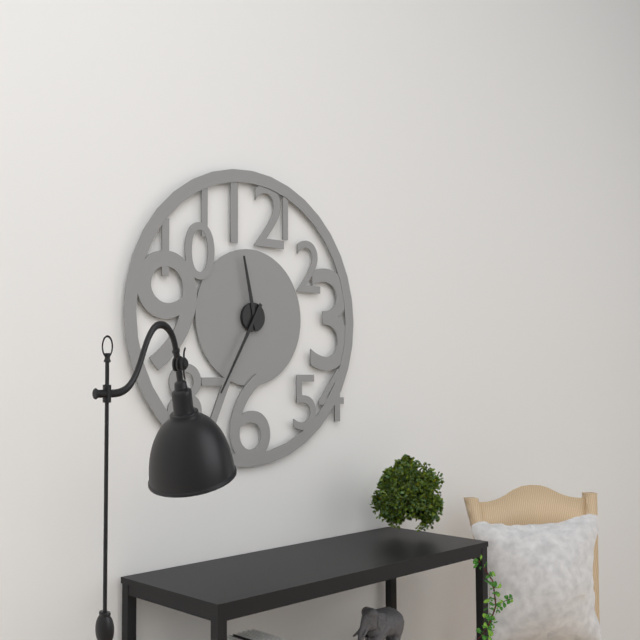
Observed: 11 h 35 min
